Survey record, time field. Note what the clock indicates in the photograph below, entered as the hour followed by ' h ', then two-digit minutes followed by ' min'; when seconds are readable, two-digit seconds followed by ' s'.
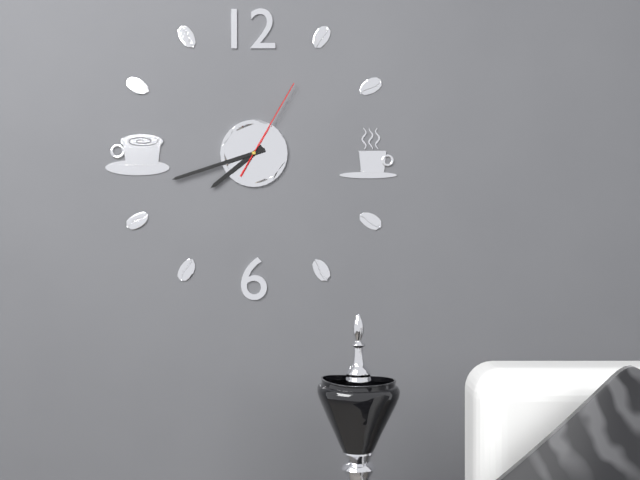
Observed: 7 h 42 min 05 s
